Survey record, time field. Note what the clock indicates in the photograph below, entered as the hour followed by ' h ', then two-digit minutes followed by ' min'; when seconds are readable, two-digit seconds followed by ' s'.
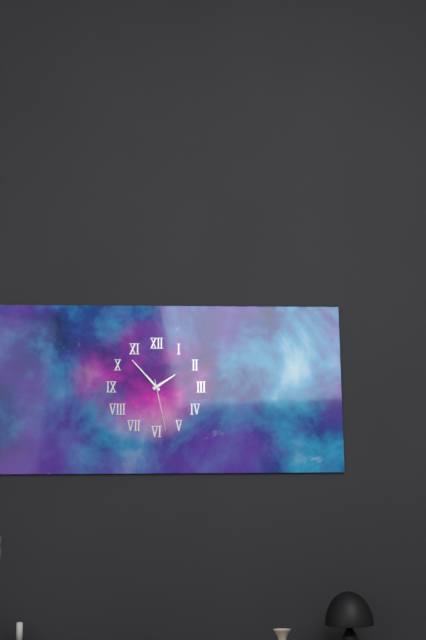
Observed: 1 h 53 min 28 s
